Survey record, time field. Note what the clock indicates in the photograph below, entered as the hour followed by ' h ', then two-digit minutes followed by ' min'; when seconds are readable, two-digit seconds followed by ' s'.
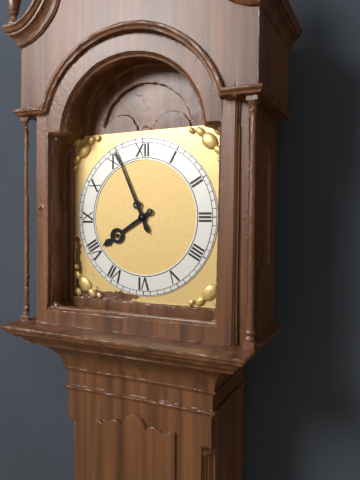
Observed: 7 h 56 min
